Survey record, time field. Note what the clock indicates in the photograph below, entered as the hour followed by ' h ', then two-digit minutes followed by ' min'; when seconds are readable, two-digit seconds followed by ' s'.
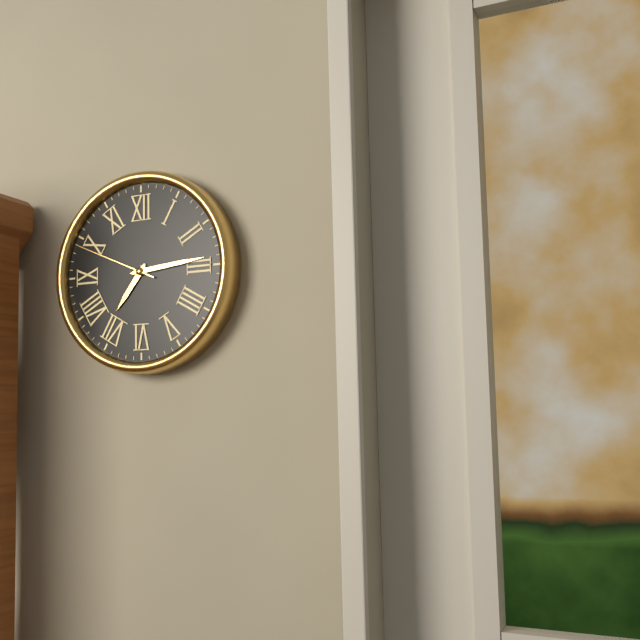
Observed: 7 h 14 min 49 s
